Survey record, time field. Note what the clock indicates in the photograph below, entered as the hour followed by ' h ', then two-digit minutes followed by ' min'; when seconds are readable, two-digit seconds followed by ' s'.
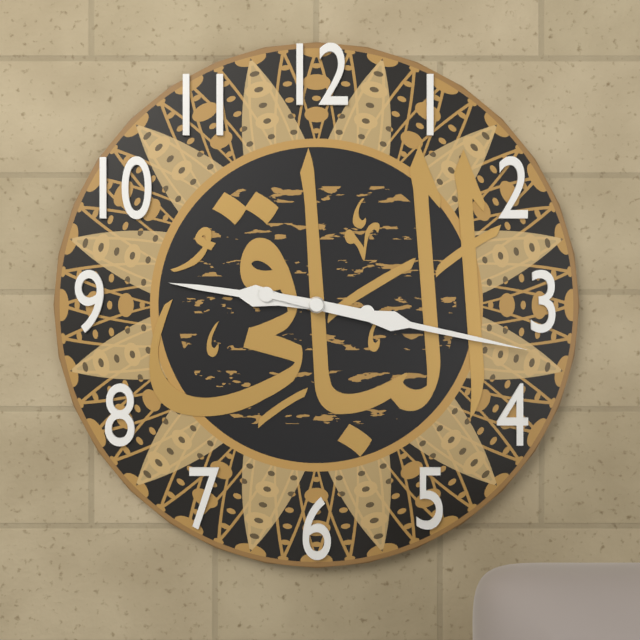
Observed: 9 h 17 min
